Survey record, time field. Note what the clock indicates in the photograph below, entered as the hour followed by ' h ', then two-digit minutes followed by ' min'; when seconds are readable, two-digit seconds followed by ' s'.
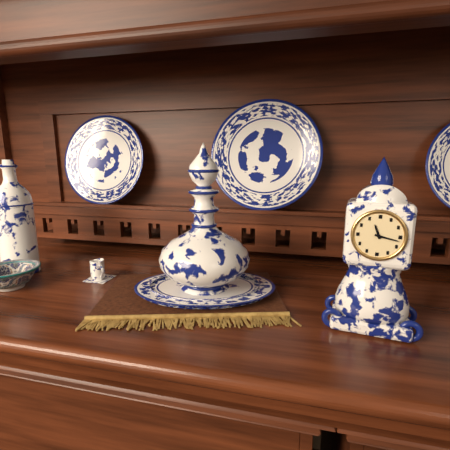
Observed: 11 h 17 min
